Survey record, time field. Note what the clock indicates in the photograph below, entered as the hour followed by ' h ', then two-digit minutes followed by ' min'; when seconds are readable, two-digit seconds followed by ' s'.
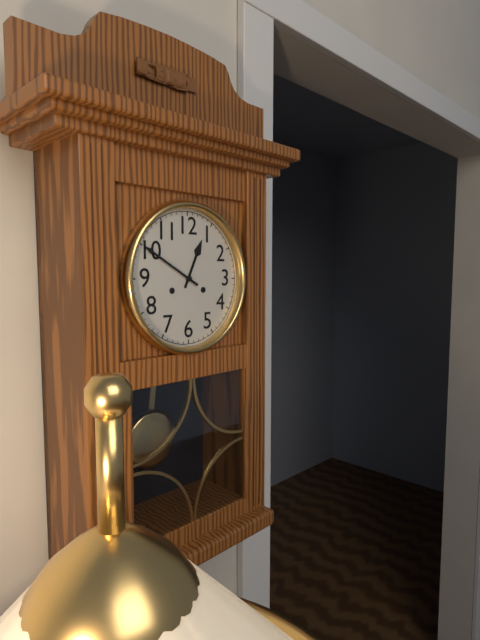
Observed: 12 h 50 min
